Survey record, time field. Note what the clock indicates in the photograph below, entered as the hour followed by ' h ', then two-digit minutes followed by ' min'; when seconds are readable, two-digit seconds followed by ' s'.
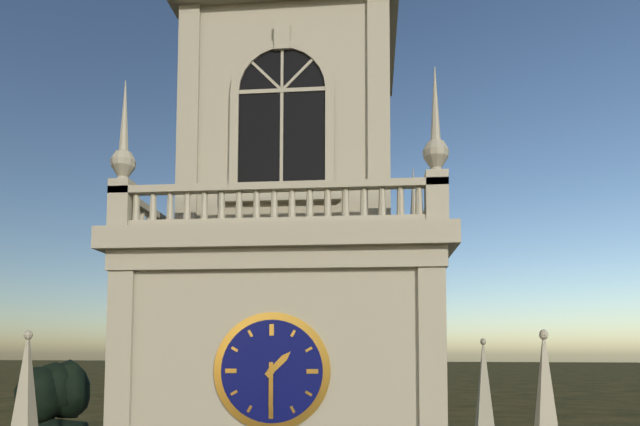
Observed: 1 h 30 min
